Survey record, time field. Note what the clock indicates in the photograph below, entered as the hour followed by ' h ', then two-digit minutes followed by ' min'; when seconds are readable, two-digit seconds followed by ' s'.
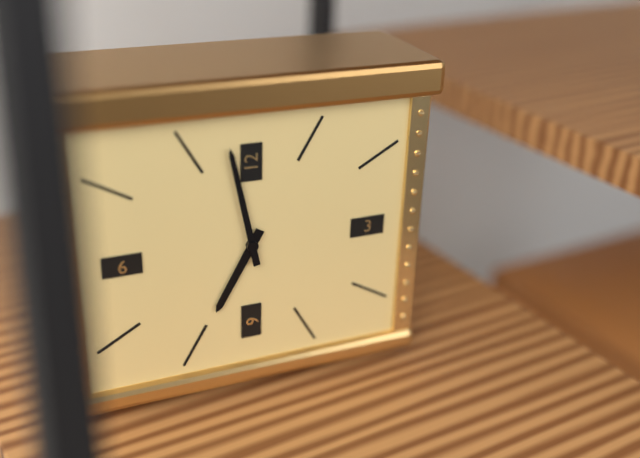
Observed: 6 h 58 min
